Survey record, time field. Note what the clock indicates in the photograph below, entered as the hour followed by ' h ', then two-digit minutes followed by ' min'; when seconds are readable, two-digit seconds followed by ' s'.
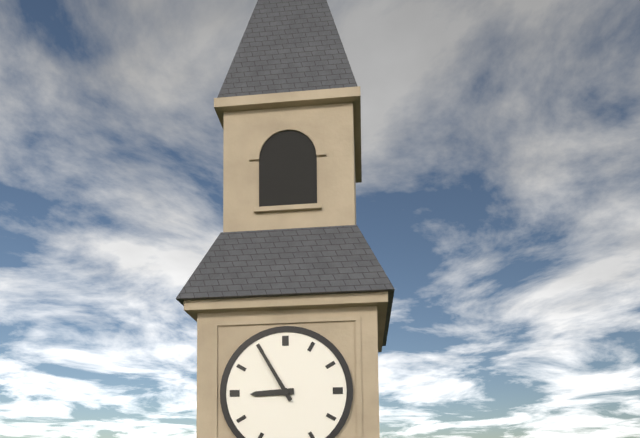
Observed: 8 h 55 min
